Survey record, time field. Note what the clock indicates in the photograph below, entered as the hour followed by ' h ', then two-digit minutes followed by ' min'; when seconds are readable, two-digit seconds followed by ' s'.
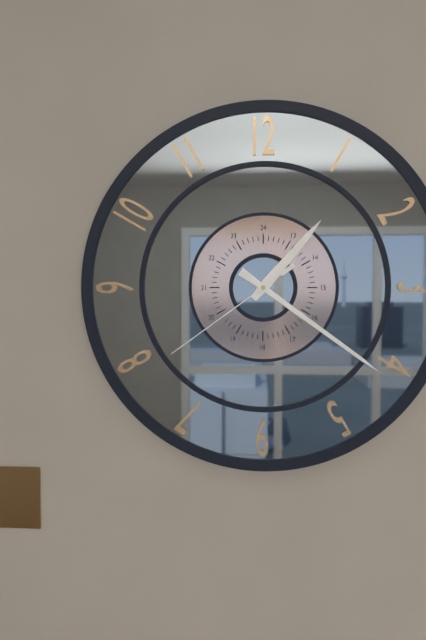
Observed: 1 h 21 min 39 s
